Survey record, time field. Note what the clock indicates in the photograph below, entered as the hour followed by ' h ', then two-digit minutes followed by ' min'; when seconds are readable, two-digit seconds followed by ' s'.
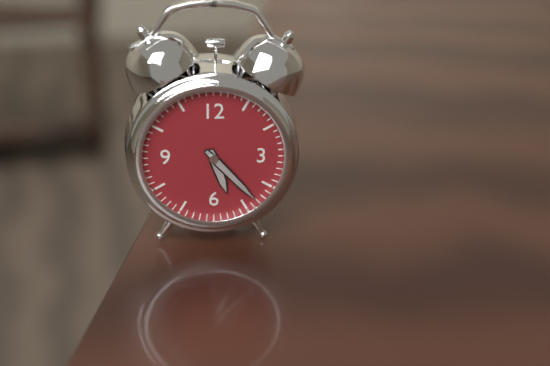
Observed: 5 h 23 min
